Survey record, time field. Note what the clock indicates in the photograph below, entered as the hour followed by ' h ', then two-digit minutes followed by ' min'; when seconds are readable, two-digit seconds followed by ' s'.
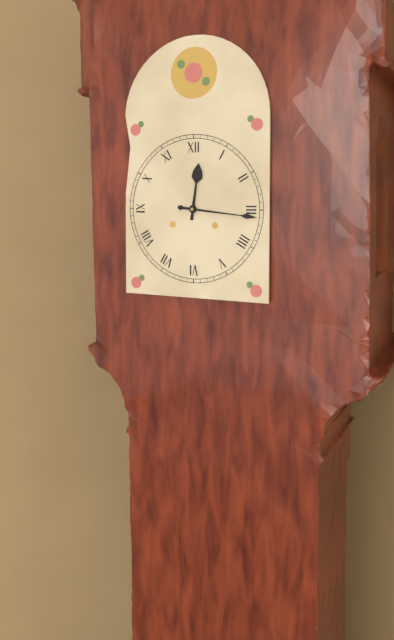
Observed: 12 h 16 min
